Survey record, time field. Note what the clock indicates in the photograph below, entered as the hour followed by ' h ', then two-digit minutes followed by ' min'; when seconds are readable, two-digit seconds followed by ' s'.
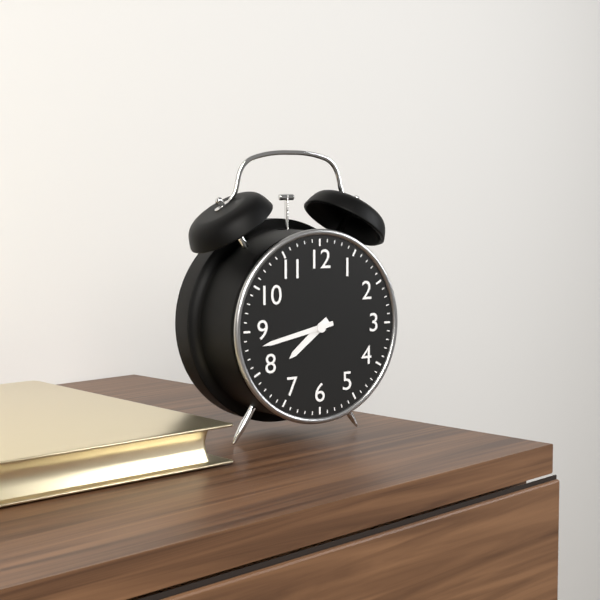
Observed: 7 h 43 min
